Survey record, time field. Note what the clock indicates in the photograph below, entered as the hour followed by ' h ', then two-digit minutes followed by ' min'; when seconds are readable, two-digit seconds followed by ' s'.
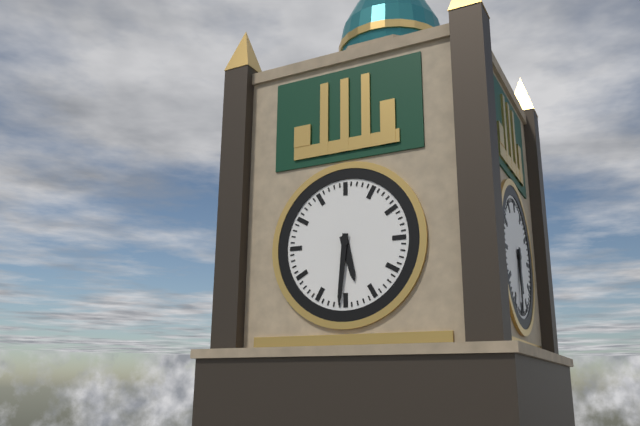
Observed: 5 h 31 min
